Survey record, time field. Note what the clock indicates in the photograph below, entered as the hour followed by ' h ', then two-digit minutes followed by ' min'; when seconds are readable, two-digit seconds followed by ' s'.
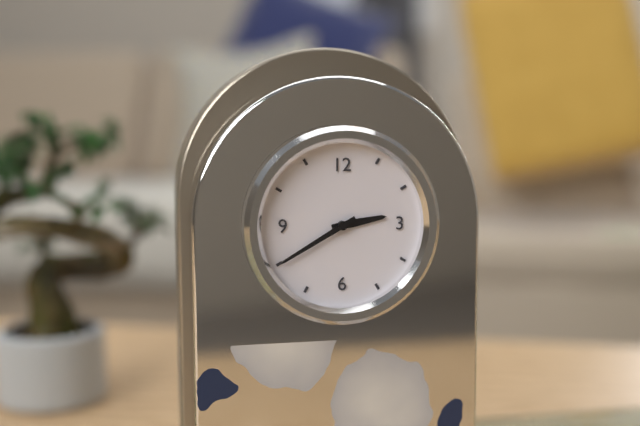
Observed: 2 h 40 min
